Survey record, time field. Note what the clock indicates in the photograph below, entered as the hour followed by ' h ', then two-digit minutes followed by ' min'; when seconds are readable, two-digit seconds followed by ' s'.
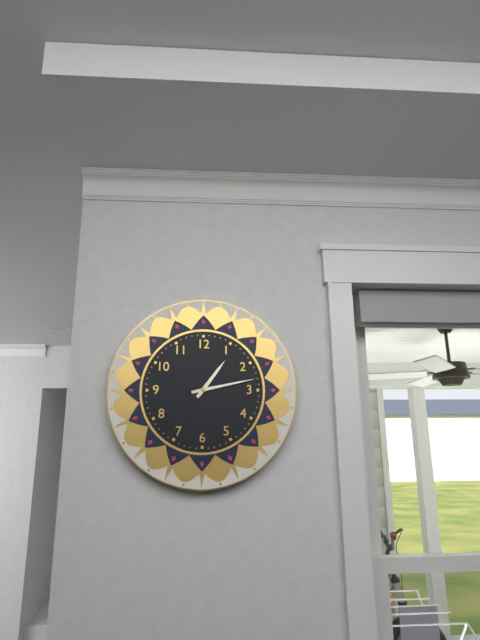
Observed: 1 h 13 min
